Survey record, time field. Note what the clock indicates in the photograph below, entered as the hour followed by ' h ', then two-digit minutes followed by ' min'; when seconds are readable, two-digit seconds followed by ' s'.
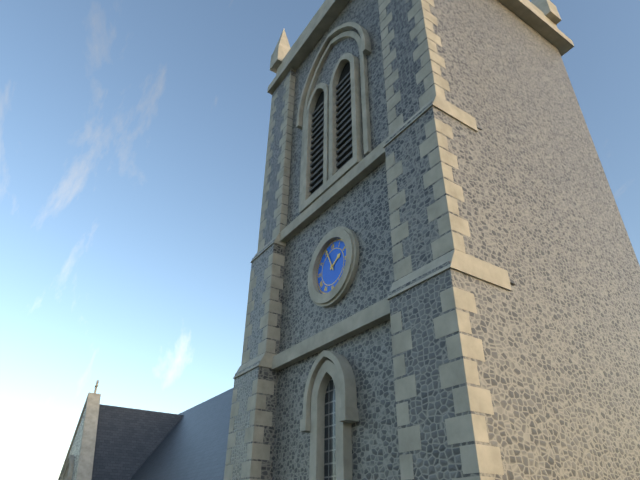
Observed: 1 h 56 min
